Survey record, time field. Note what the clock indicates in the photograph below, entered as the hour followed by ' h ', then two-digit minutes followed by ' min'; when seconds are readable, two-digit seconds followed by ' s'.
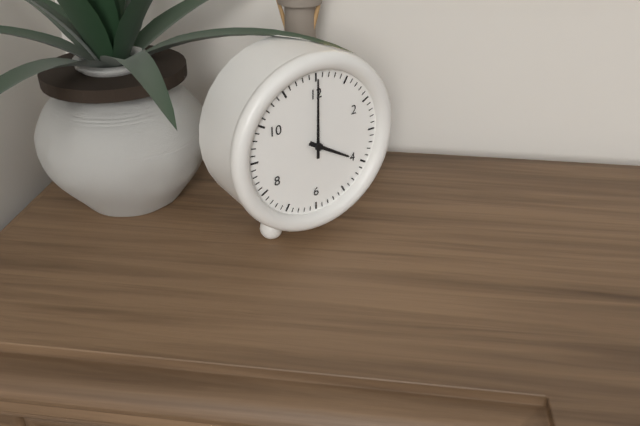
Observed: 4 h 00 min
